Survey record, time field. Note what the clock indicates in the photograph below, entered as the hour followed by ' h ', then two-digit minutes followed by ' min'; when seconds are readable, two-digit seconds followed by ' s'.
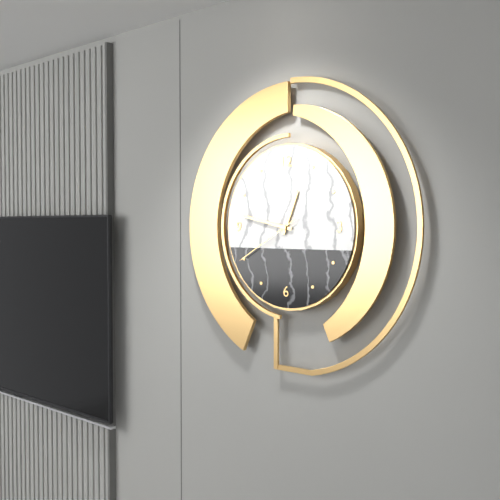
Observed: 12 h 47 min 40 s
